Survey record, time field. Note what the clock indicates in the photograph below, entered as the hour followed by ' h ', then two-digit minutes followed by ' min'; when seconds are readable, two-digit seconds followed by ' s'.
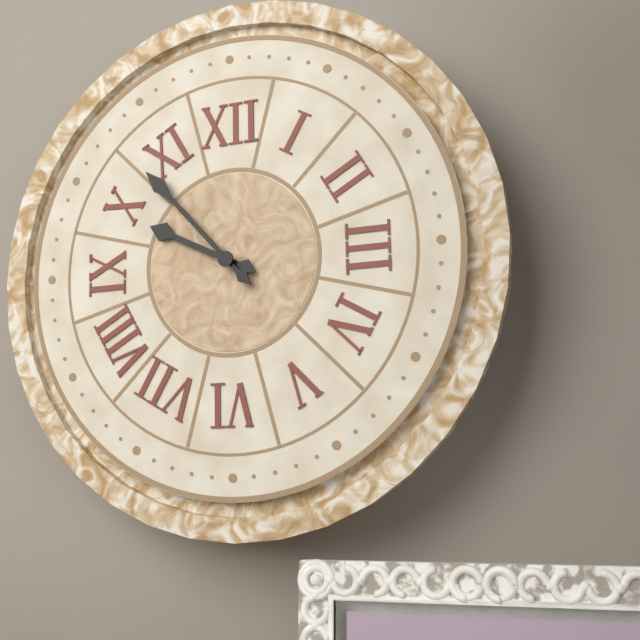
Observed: 9 h 53 min
